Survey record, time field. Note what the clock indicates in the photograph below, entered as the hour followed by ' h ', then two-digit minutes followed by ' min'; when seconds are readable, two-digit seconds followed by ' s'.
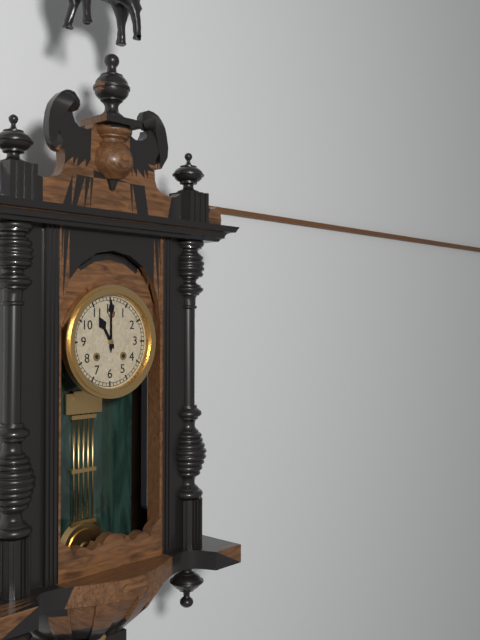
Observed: 11 h 00 min
